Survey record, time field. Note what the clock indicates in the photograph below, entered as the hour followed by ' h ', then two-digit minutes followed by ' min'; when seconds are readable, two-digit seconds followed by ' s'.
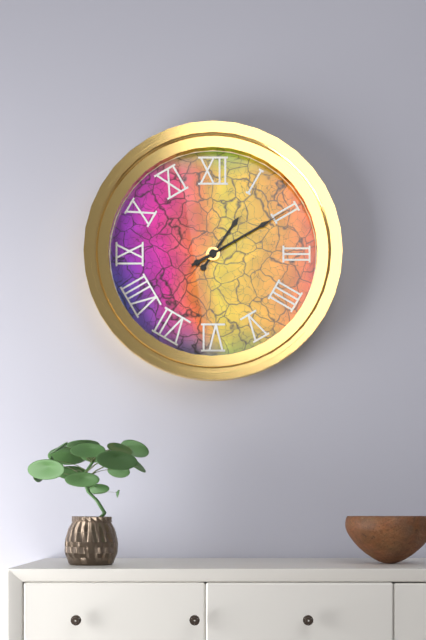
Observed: 1 h 10 min 10 s
